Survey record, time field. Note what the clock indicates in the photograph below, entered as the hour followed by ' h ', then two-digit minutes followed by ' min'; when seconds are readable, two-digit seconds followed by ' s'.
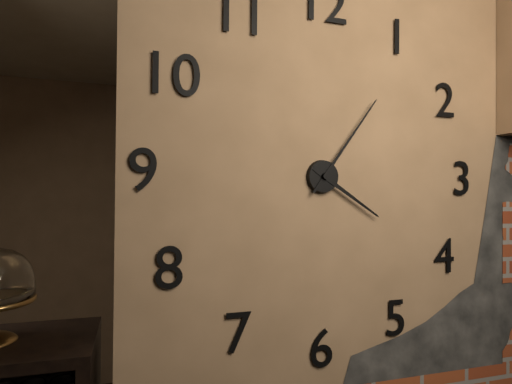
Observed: 4 h 06 min
